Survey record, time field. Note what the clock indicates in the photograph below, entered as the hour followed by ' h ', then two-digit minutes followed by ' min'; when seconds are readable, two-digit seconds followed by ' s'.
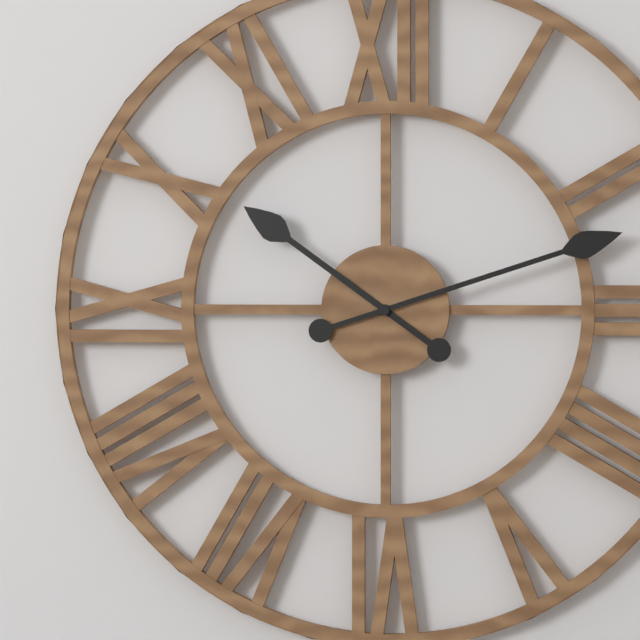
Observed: 10 h 12 min
